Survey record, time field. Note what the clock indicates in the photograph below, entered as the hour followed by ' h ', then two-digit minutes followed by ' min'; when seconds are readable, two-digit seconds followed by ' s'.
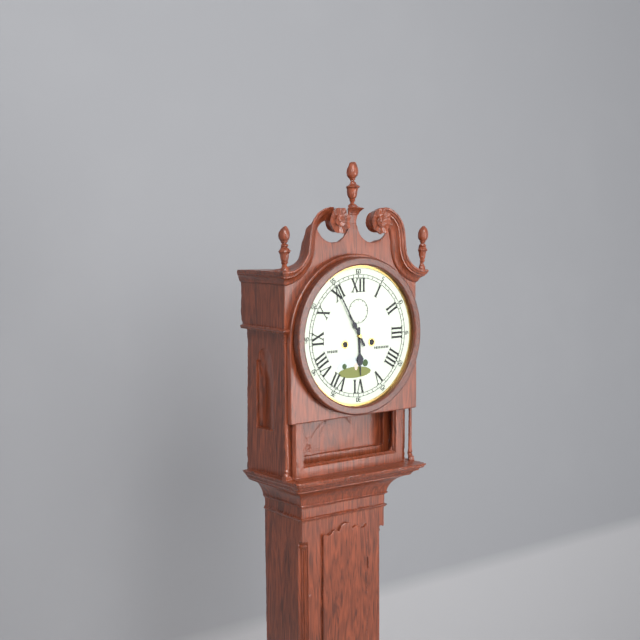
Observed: 5 h 55 min
